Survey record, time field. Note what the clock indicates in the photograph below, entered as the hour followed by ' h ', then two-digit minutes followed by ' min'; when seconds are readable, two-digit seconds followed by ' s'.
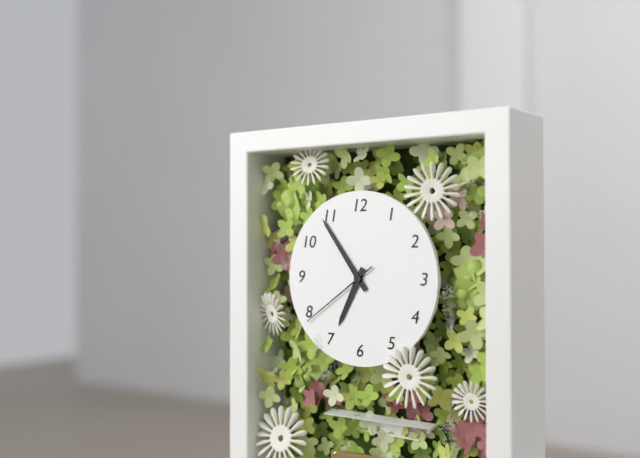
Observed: 6 h 54 min 39 s
